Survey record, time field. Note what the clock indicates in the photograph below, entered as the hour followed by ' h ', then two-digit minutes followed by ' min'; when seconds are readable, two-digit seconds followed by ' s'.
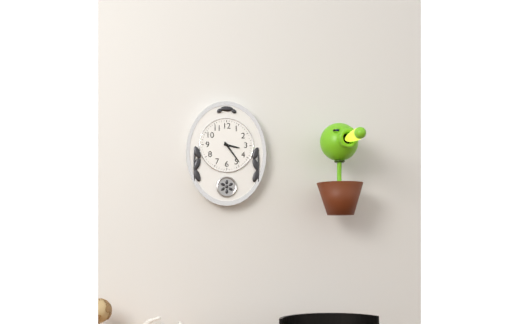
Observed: 3 h 24 min
